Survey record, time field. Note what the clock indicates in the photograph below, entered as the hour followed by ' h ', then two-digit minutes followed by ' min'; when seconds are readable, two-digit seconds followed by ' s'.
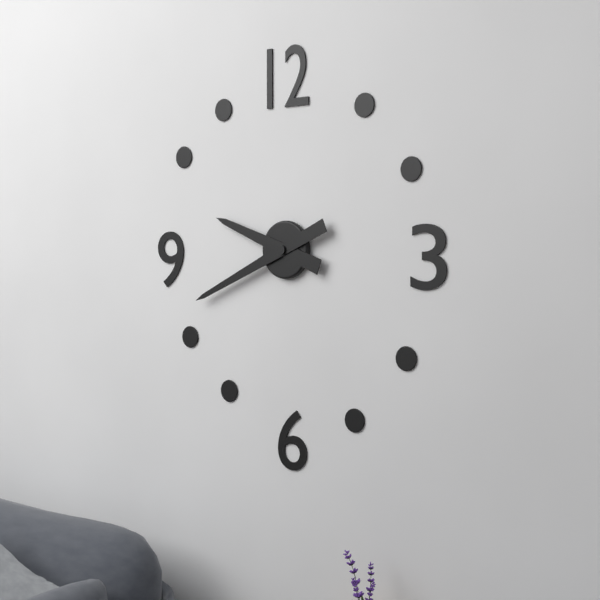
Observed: 9 h 41 min
